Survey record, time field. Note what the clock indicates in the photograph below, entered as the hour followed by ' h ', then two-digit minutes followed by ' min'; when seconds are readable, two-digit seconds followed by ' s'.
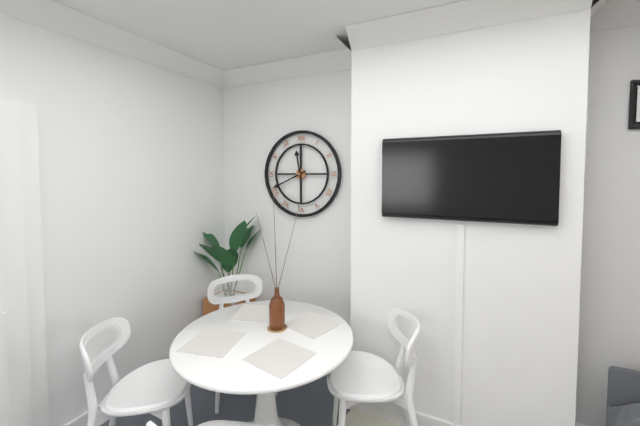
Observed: 11 h 41 min
